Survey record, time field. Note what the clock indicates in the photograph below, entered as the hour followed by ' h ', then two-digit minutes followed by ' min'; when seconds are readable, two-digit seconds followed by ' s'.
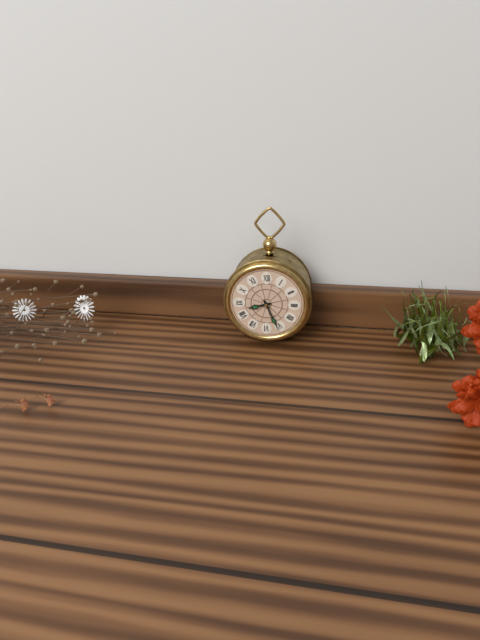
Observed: 8 h 26 min
